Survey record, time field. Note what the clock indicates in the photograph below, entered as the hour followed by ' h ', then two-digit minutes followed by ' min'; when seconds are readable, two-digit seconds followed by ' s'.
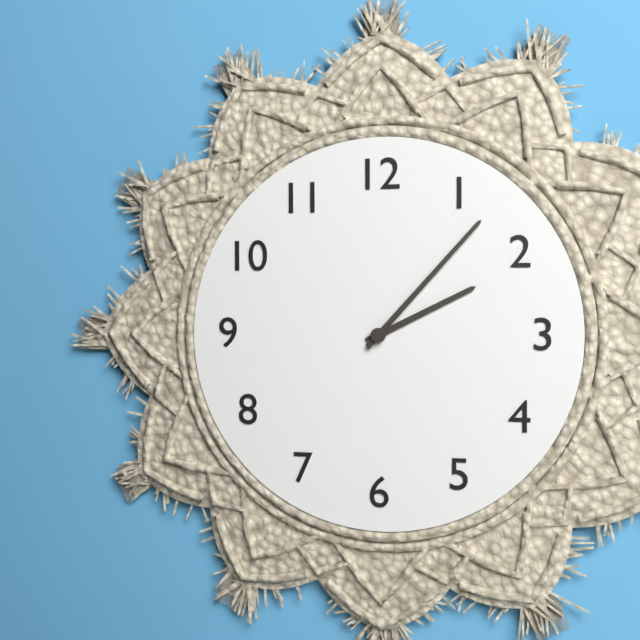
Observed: 2 h 07 min
